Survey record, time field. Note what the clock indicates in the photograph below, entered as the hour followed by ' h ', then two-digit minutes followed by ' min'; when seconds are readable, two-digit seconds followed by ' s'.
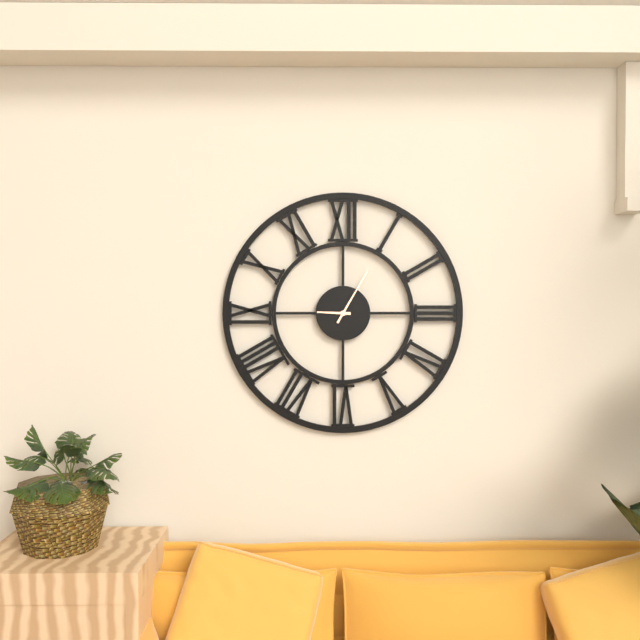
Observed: 9 h 05 min
